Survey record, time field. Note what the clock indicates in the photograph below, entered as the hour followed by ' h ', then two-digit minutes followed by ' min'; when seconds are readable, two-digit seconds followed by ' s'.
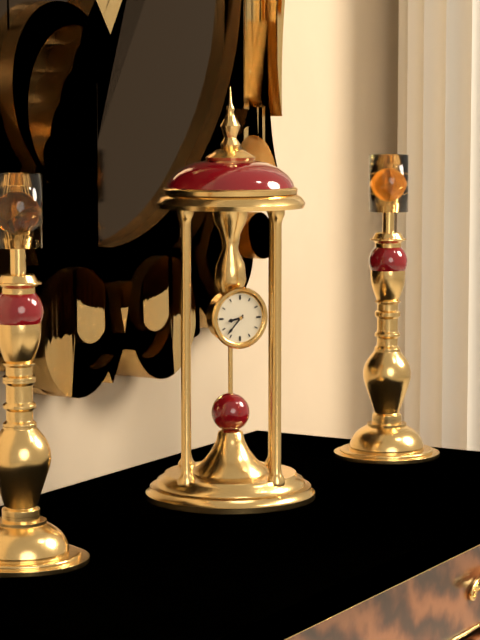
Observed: 8 h 37 min
